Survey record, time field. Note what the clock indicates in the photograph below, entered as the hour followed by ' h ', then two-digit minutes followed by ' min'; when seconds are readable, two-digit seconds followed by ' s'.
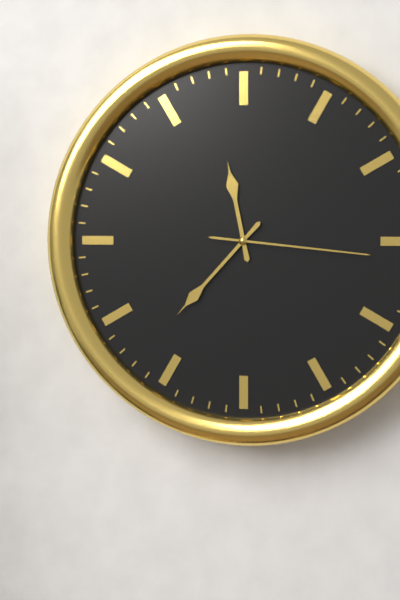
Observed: 11 h 37 min 16 s
